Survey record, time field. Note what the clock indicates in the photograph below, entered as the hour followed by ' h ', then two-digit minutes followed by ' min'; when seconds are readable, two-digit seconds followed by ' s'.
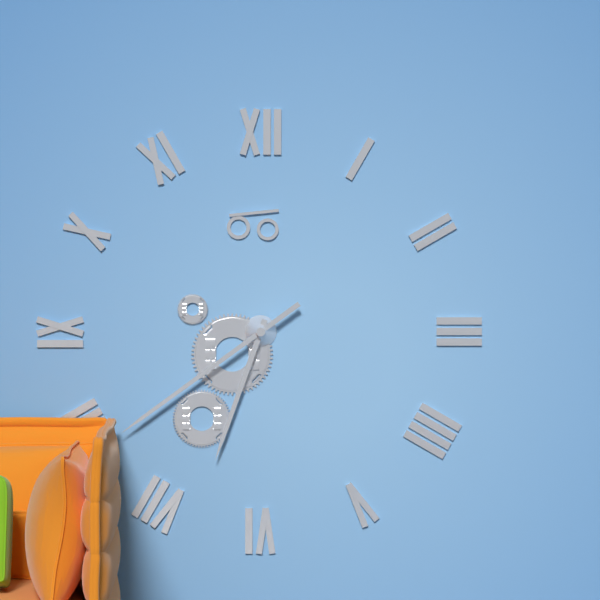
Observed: 6 h 39 min
